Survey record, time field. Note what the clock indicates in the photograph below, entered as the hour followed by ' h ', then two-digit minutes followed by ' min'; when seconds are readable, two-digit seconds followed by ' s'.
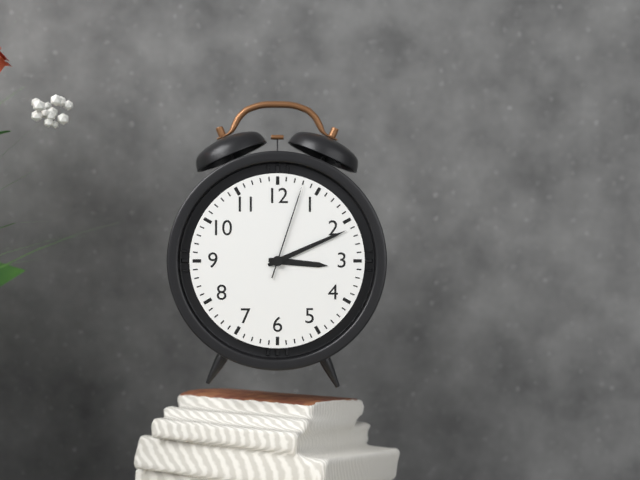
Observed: 3 h 11 min 03 s
